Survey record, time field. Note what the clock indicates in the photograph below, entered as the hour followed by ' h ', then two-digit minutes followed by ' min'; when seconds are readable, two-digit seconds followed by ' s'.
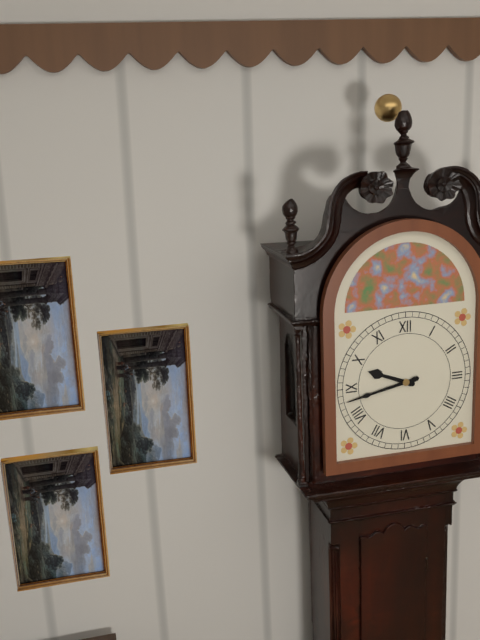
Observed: 9 h 43 min
